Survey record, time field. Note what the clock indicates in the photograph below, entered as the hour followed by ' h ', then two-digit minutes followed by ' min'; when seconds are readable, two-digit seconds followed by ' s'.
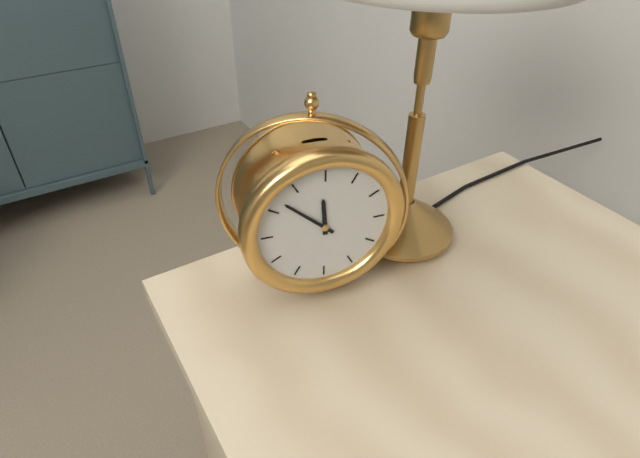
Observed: 11 h 52 min
